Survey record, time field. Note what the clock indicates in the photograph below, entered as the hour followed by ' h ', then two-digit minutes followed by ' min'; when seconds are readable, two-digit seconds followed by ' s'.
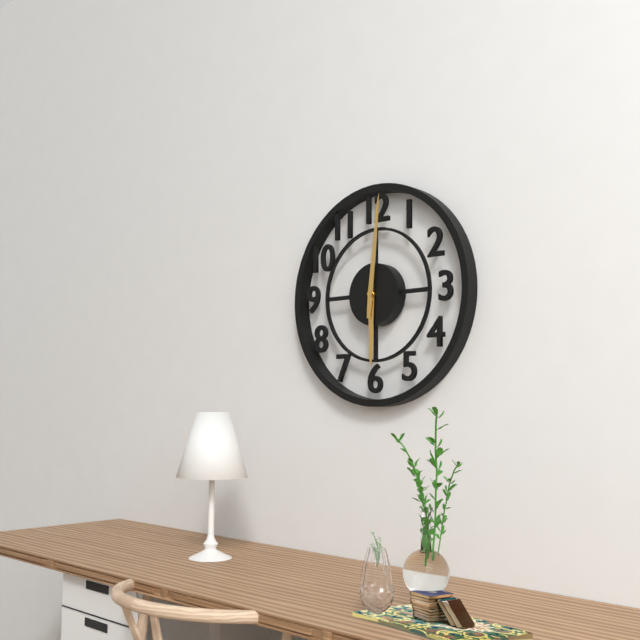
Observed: 6 h 01 min
